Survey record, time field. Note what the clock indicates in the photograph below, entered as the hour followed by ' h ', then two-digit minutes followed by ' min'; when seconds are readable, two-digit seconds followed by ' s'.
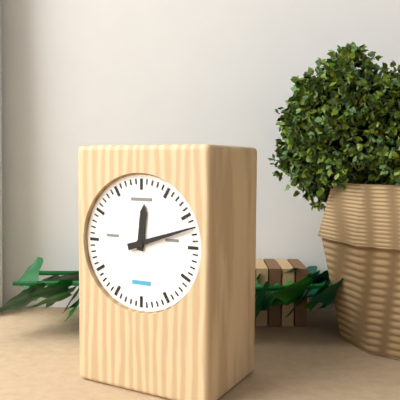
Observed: 12 h 12 min
